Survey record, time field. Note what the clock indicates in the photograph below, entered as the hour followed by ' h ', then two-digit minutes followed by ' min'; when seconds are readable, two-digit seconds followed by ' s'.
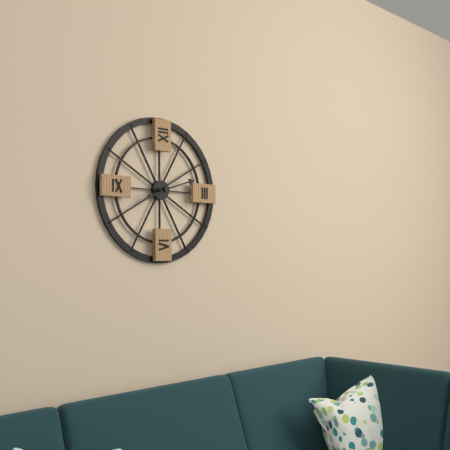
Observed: 8 h 12 min
